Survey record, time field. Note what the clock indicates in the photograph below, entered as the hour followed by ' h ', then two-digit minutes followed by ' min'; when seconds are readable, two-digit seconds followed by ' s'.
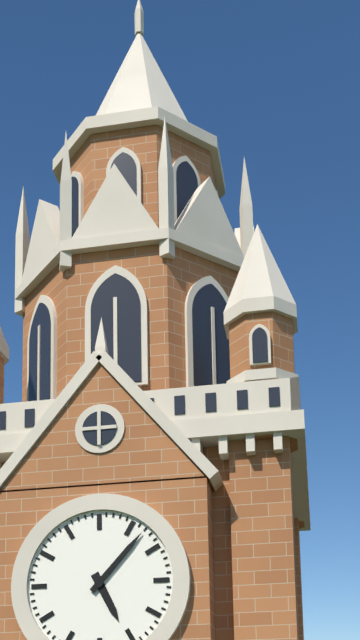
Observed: 5 h 07 min
